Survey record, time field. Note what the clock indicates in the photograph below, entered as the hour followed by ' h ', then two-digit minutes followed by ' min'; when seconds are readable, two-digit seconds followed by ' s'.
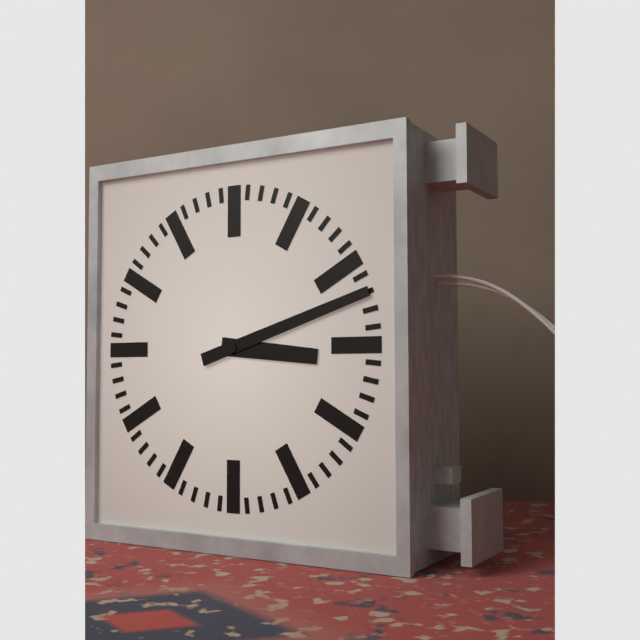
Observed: 3 h 12 min
